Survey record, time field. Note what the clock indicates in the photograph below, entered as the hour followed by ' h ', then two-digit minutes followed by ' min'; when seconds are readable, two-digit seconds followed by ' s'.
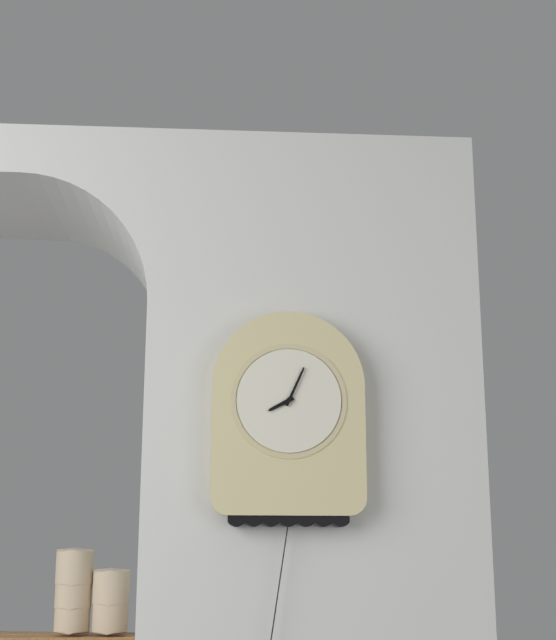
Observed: 8 h 04 min
